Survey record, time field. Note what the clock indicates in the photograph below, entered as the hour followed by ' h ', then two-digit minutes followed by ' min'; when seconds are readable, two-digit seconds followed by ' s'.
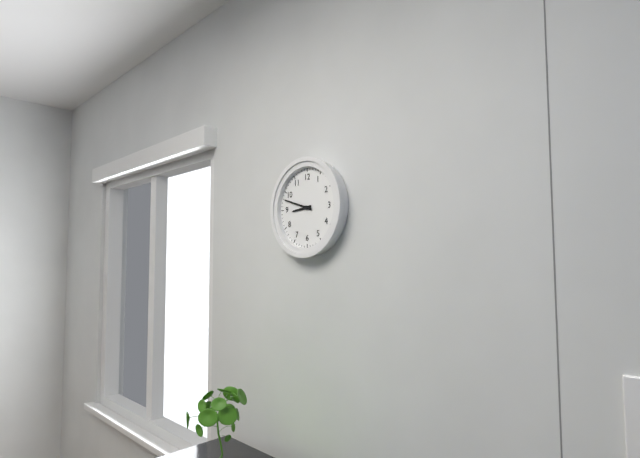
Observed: 8 h 48 min
